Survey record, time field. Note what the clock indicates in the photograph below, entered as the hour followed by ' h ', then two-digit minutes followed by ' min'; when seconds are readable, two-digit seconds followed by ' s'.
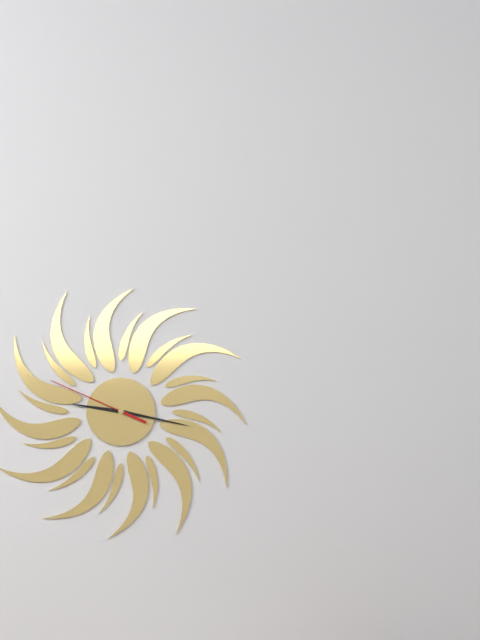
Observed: 9 h 17 min 49 s
